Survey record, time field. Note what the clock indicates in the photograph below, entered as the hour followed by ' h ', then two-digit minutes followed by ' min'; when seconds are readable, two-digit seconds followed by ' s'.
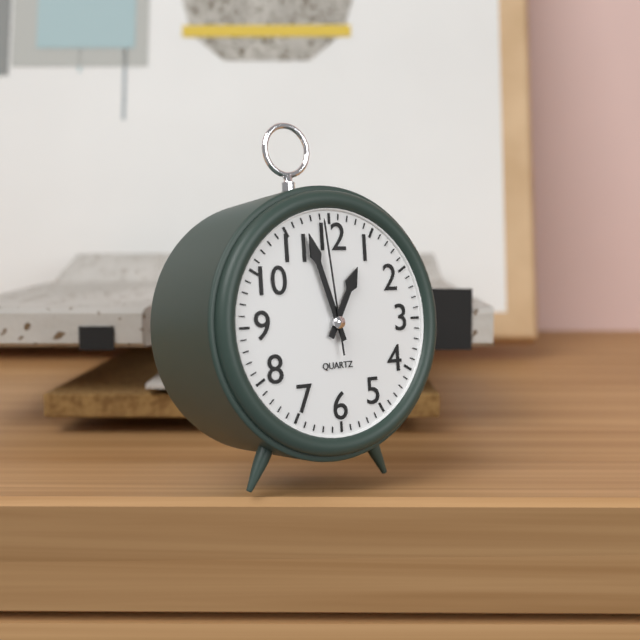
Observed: 12 h 57 min 59 s
